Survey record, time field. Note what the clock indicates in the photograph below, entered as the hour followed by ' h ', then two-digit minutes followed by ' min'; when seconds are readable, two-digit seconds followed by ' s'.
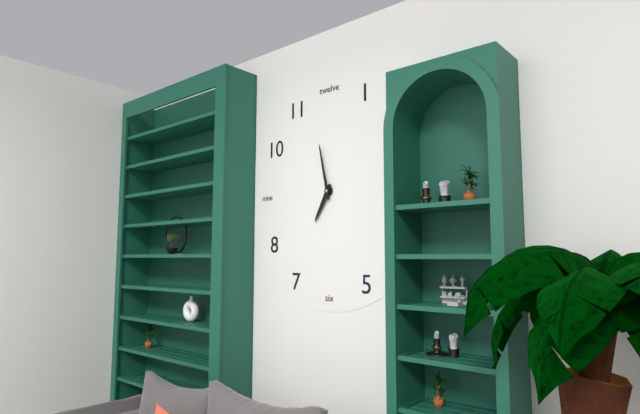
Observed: 6 h 58 min
